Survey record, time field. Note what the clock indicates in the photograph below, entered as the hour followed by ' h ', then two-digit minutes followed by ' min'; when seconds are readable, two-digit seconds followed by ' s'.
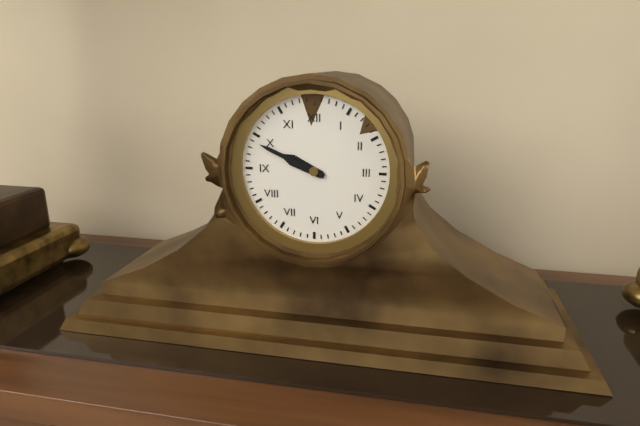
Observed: 9 h 49 min
